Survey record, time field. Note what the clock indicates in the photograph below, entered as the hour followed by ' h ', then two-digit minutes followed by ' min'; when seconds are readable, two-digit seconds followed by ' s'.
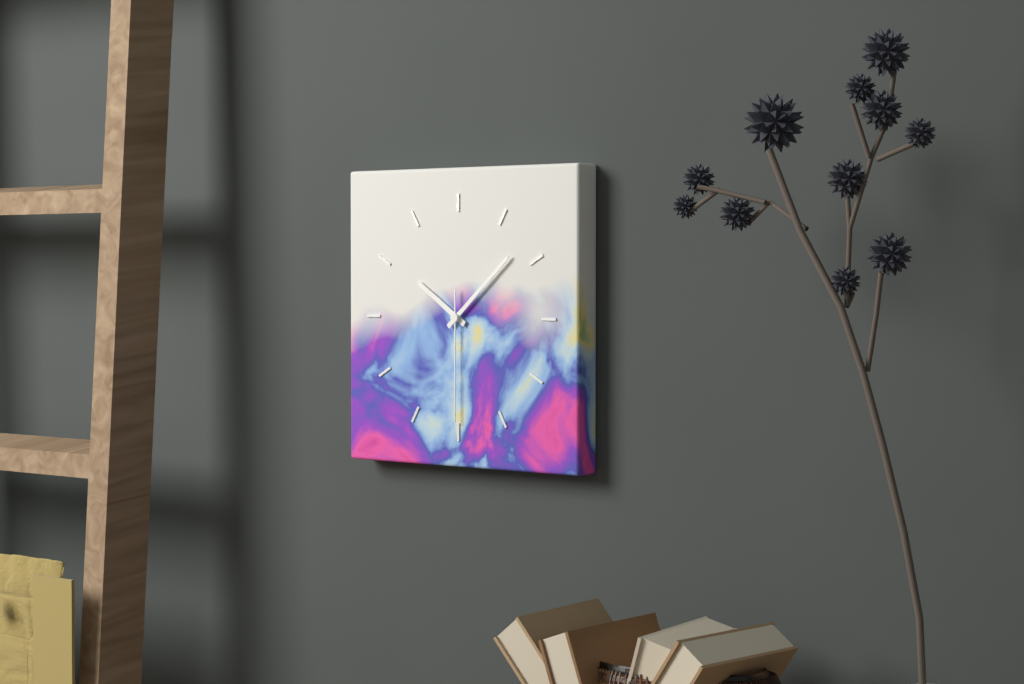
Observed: 10 h 08 min 30 s
